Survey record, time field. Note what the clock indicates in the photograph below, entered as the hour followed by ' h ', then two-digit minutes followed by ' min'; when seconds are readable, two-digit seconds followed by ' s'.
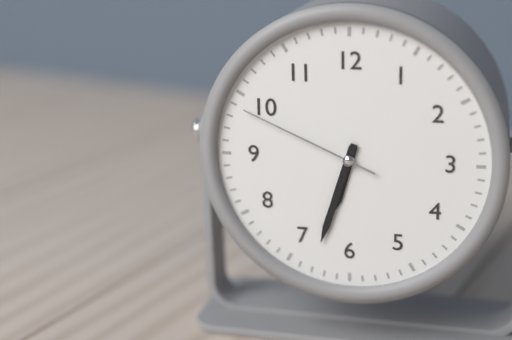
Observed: 6 h 33 min 49 s
